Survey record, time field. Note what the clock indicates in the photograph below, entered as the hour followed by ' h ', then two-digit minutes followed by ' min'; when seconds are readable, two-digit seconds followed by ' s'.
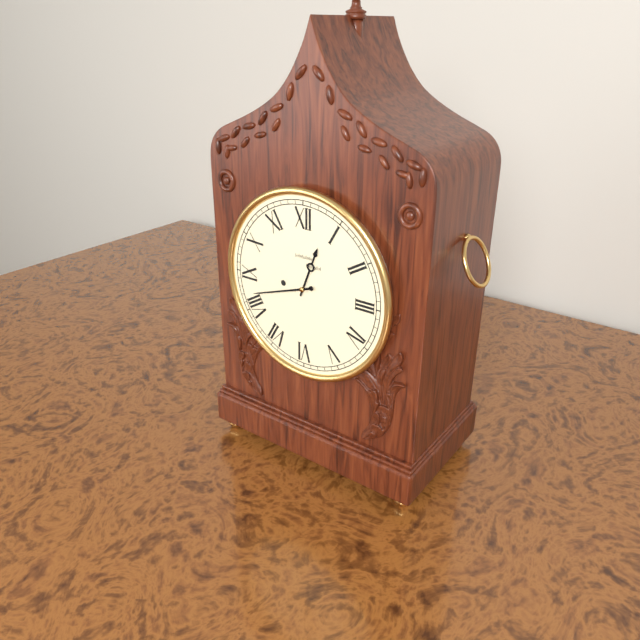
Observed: 12 h 42 min
